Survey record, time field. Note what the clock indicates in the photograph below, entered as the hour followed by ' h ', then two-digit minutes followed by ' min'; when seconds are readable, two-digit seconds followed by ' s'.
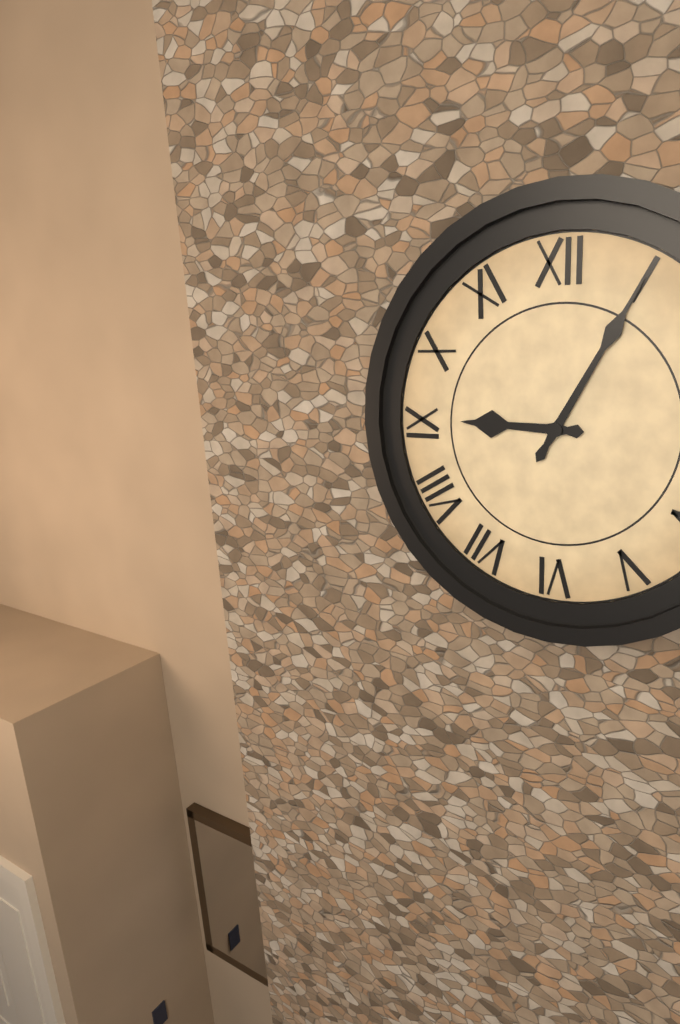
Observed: 9 h 05 min
